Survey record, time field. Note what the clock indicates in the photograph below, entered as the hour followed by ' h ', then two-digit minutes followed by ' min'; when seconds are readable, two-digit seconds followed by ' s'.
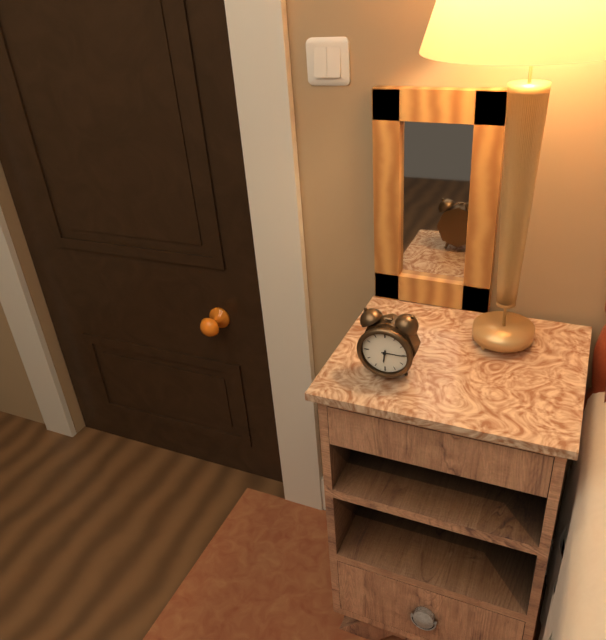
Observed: 6 h 15 min
